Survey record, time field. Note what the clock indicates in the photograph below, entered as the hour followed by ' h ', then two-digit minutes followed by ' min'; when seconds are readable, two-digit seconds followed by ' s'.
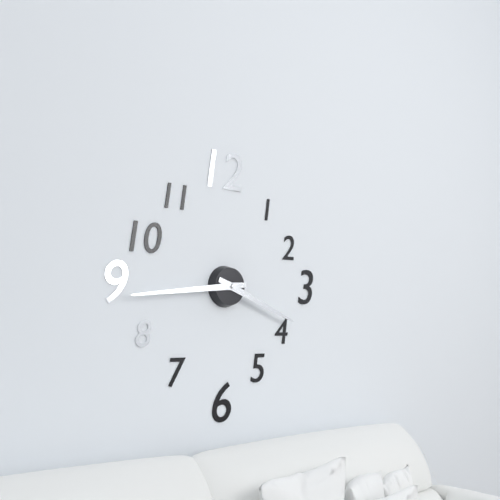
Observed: 3 h 44 min
